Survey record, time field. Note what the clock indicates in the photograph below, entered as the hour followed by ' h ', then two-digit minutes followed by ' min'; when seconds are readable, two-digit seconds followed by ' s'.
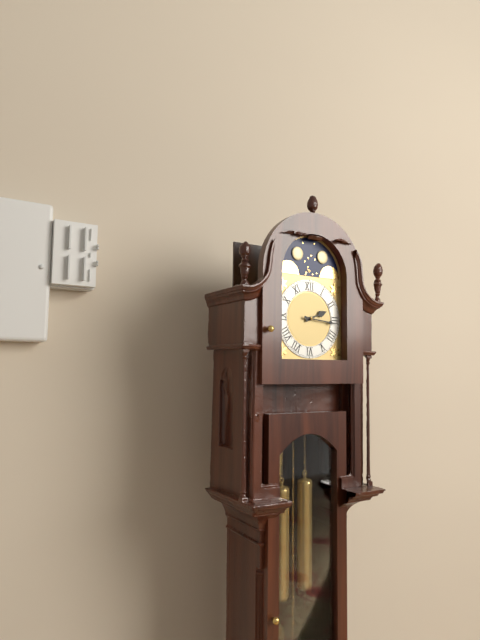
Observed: 2 h 16 min
